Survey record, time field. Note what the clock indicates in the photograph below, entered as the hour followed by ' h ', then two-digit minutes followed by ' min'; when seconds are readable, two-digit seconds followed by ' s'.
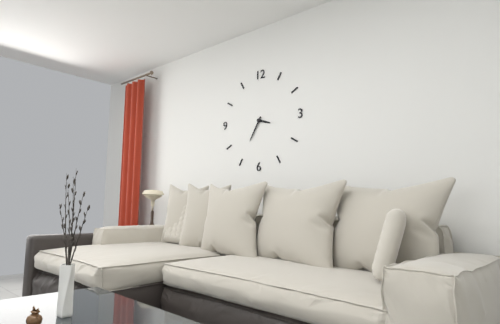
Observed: 3 h 35 min
